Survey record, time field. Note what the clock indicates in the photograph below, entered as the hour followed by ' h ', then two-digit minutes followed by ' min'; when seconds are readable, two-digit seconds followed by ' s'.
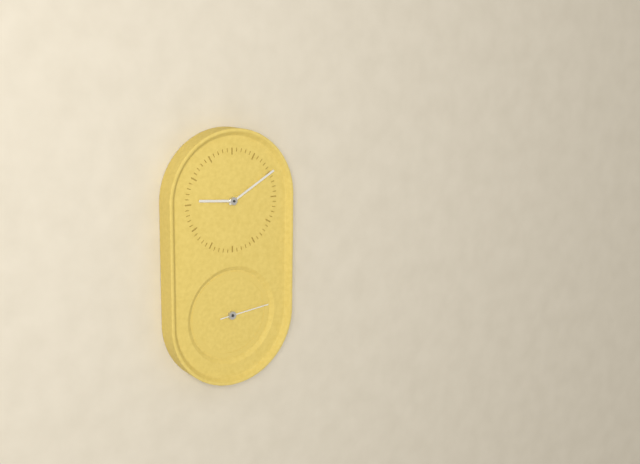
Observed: 9 h 10 min
